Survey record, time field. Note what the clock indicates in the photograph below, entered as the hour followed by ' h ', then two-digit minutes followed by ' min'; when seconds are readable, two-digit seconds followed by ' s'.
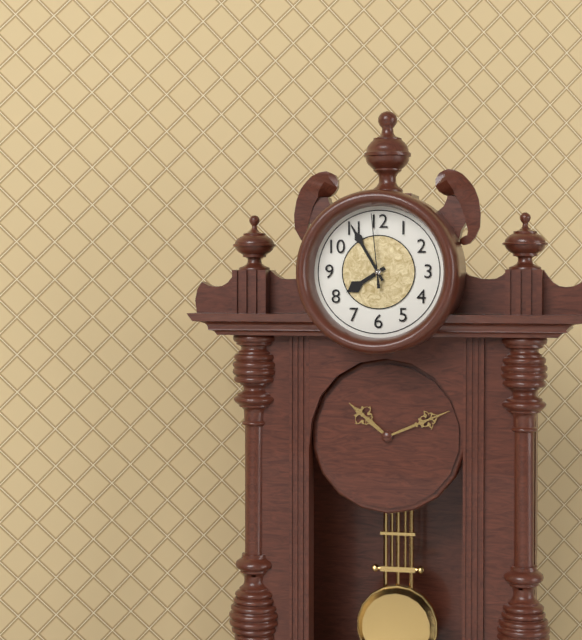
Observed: 7 h 55 min 59 s
